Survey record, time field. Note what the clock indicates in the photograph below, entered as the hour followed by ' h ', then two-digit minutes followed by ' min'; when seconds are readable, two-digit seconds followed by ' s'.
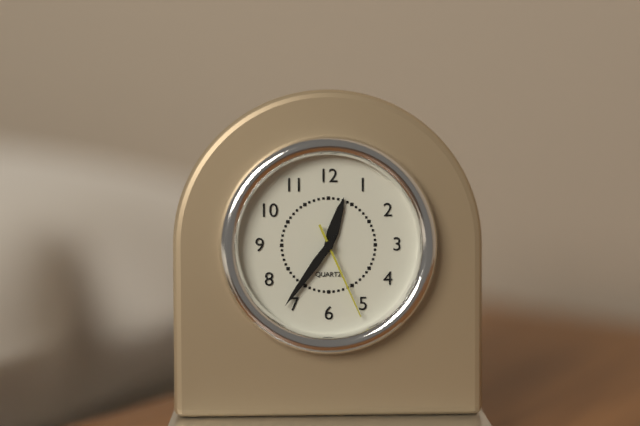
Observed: 12 h 36 min 26 s
